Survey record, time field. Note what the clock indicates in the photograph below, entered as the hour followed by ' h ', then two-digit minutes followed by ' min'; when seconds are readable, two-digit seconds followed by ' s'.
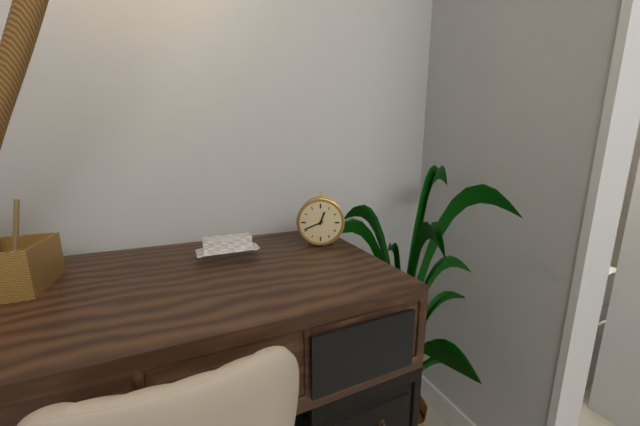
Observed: 12 h 41 min
